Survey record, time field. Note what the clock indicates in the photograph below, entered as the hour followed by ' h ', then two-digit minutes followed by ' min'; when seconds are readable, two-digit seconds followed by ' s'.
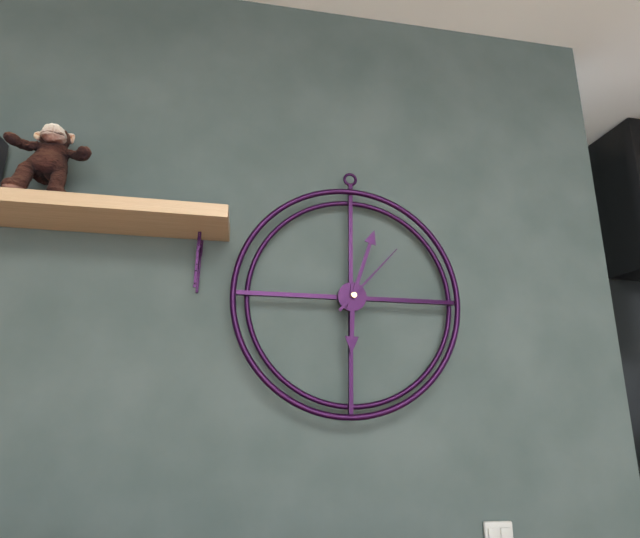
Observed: 6 h 03 min 07 s
